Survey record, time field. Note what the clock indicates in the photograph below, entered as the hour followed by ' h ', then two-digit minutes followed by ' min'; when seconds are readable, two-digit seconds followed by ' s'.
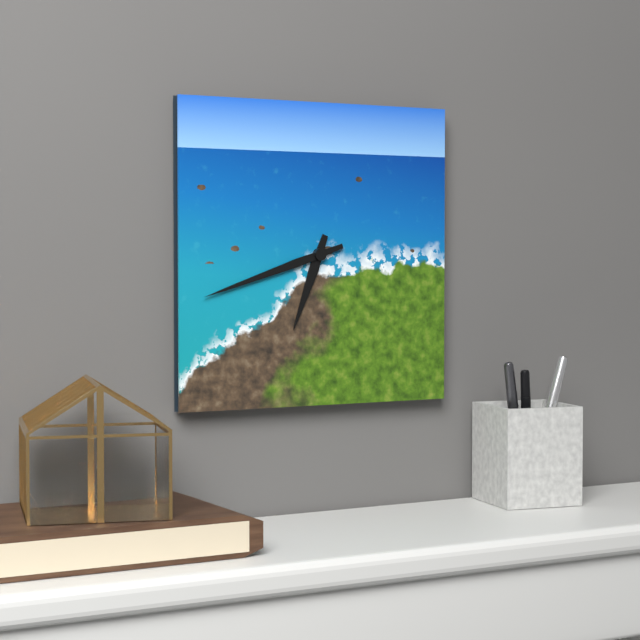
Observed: 6 h 42 min
